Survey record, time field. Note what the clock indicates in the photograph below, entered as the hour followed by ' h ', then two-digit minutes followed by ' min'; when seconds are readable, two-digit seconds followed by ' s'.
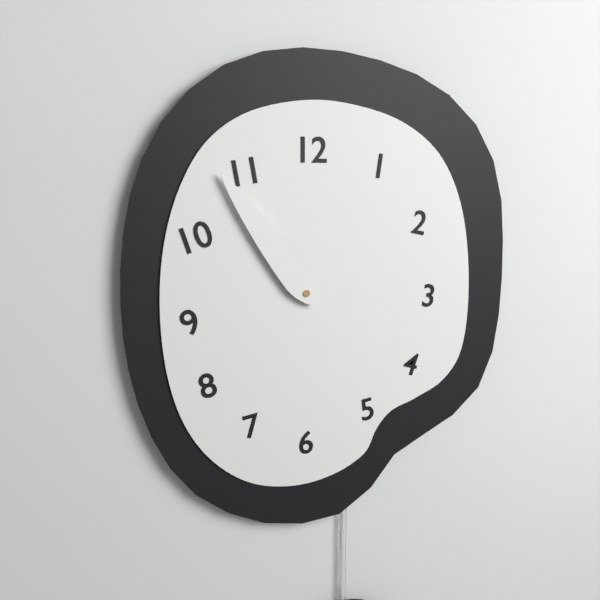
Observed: 10 h 54 min
